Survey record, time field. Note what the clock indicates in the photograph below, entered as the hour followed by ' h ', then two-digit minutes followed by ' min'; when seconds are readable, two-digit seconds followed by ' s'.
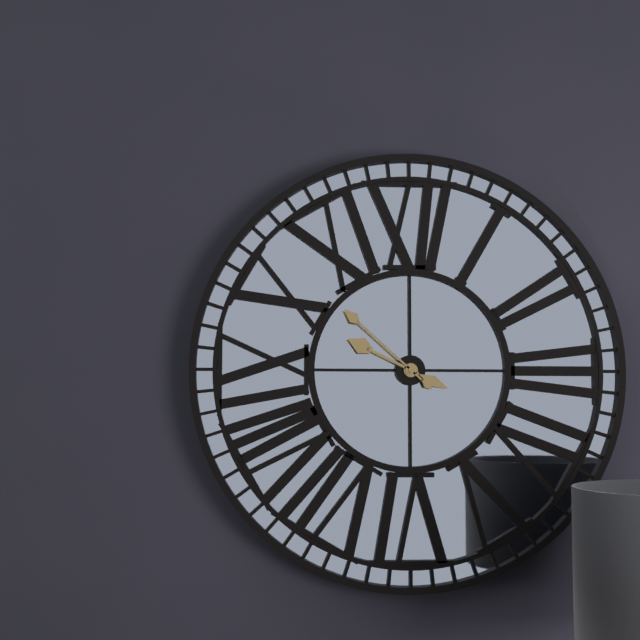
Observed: 9 h 52 min
